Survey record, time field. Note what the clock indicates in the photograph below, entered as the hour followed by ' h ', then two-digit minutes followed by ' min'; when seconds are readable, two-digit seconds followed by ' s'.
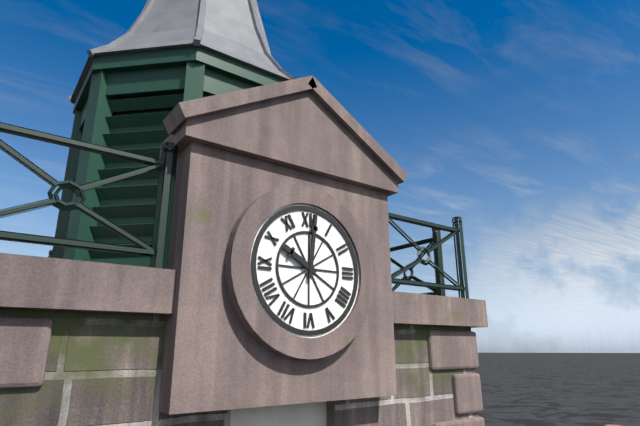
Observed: 10 h 01 min
